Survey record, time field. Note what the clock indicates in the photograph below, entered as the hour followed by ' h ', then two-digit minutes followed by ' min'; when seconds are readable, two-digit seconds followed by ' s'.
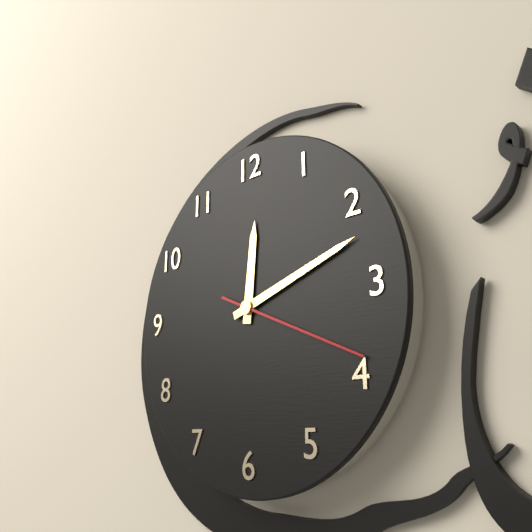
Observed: 12 h 12 min 19 s
